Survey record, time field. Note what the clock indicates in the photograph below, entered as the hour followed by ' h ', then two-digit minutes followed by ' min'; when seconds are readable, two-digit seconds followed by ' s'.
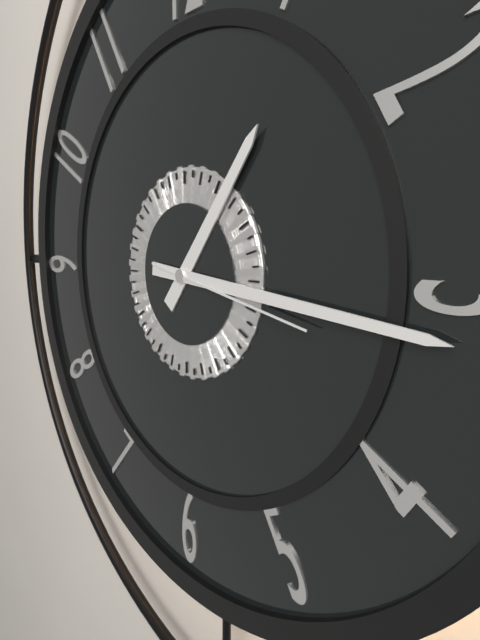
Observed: 1 h 16 min 17 s
